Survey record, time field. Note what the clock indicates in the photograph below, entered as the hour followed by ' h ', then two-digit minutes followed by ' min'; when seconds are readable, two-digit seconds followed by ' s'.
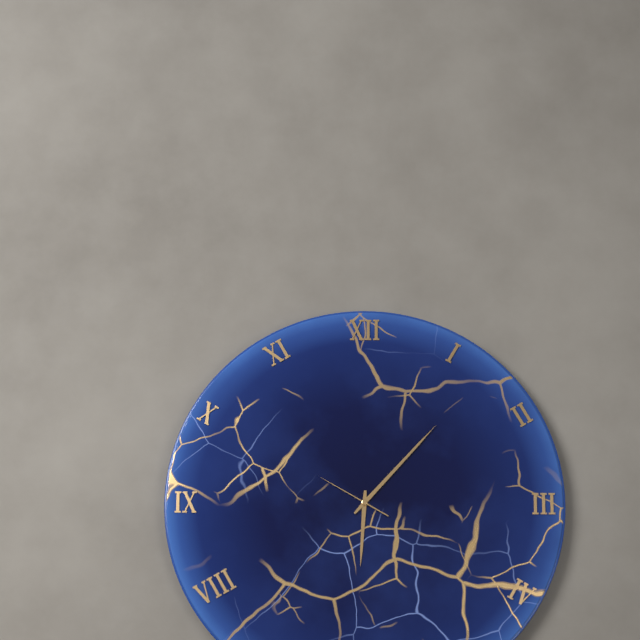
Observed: 6 h 07 min 50 s
